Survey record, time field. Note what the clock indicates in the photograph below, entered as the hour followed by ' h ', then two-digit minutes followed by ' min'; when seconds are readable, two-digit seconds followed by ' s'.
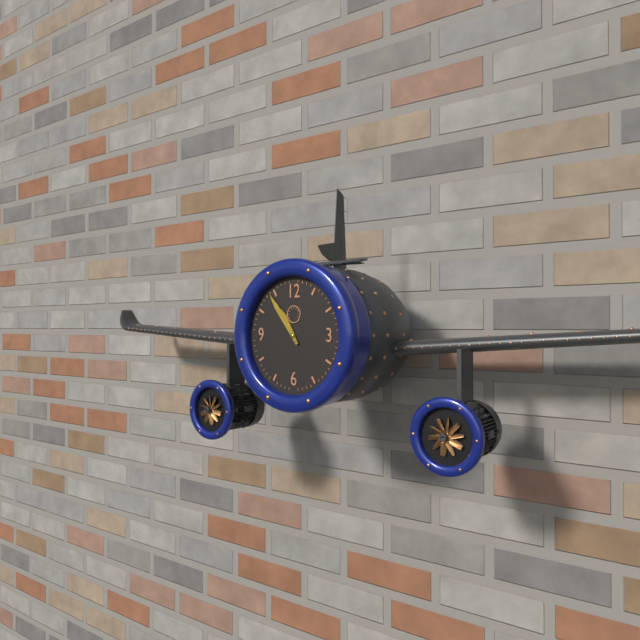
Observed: 10 h 54 min
